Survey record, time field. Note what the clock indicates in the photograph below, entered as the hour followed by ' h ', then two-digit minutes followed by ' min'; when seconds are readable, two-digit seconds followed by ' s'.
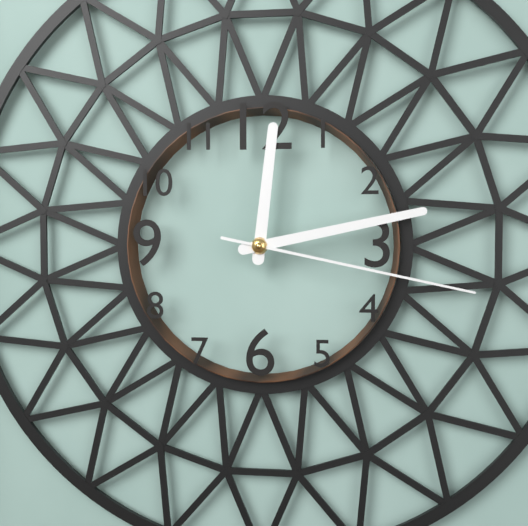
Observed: 12 h 13 min 17 s
